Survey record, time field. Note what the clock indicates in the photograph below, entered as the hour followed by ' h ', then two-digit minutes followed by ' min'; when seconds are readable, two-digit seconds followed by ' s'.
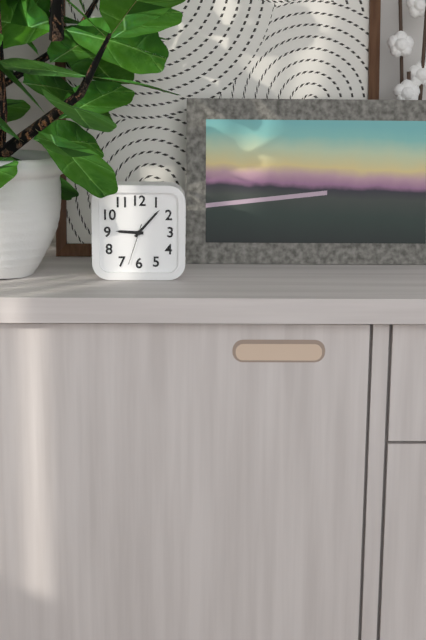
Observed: 9 h 07 min
